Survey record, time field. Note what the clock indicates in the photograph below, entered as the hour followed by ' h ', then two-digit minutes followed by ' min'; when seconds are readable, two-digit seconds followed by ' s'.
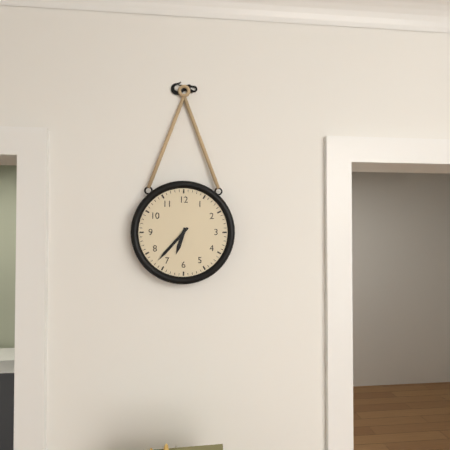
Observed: 6 h 37 min
